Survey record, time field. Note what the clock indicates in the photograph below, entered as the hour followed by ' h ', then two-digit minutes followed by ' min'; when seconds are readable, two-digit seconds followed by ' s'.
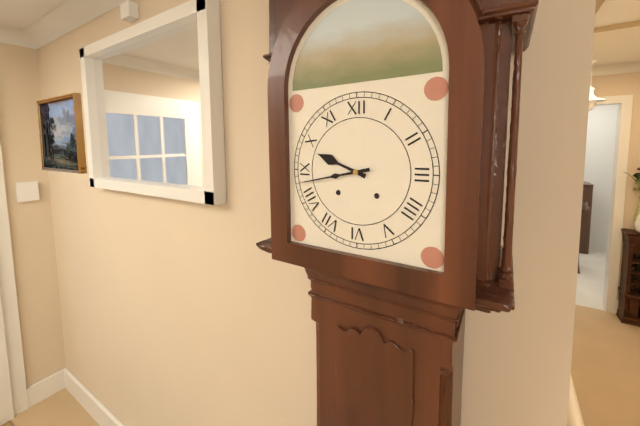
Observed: 9 h 43 min
